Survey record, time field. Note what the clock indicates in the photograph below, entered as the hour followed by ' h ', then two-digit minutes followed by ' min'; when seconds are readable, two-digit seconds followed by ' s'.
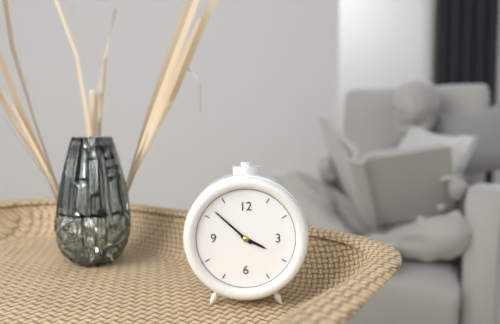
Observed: 3 h 52 min
